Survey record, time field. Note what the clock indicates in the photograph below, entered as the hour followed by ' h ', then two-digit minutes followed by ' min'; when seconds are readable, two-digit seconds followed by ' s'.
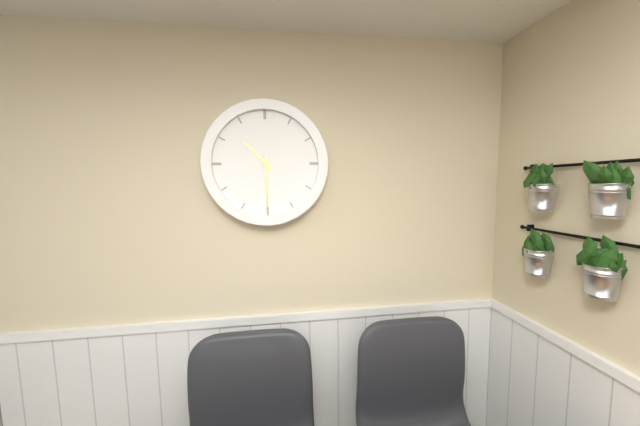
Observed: 10 h 30 min
